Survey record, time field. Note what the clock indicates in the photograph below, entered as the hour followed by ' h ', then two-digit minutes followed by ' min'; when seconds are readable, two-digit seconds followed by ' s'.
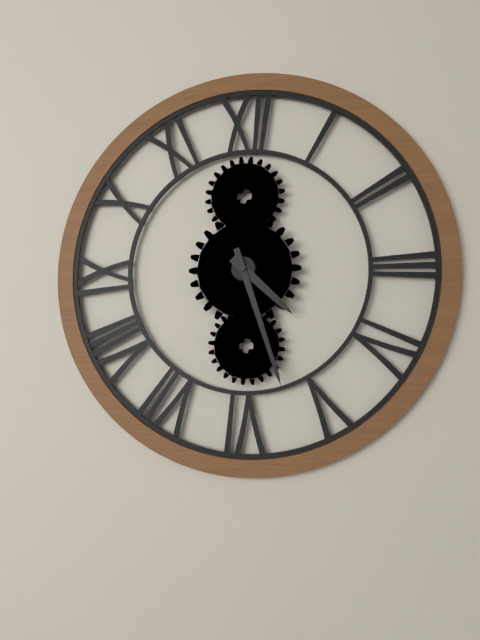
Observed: 4 h 27 min
